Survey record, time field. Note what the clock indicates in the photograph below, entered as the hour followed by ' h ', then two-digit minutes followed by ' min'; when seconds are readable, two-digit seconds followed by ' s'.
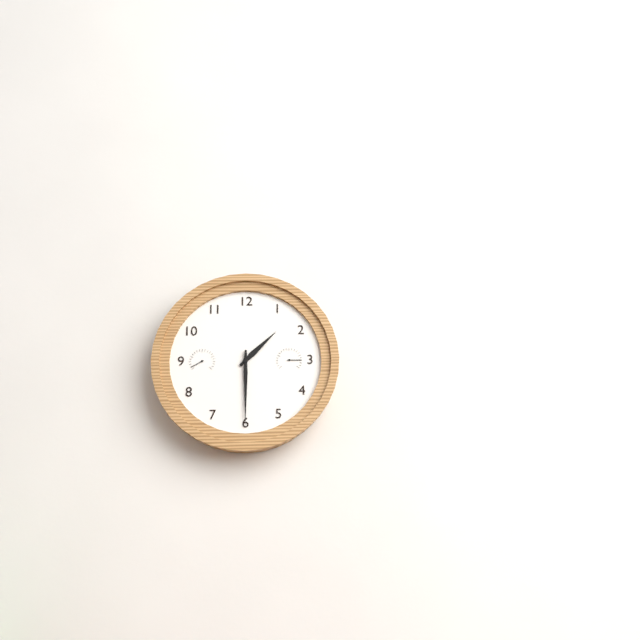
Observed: 1 h 30 min
